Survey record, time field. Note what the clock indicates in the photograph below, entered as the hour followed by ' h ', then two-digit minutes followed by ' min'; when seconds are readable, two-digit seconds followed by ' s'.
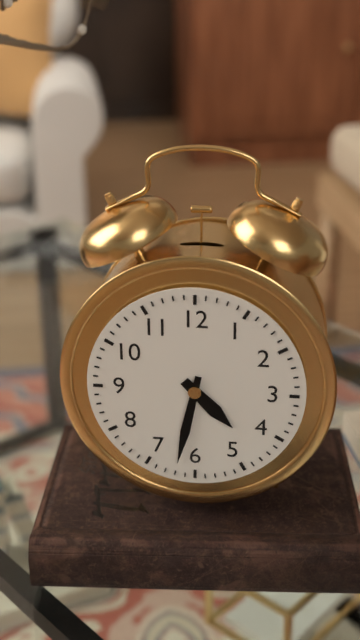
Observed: 4 h 32 min
